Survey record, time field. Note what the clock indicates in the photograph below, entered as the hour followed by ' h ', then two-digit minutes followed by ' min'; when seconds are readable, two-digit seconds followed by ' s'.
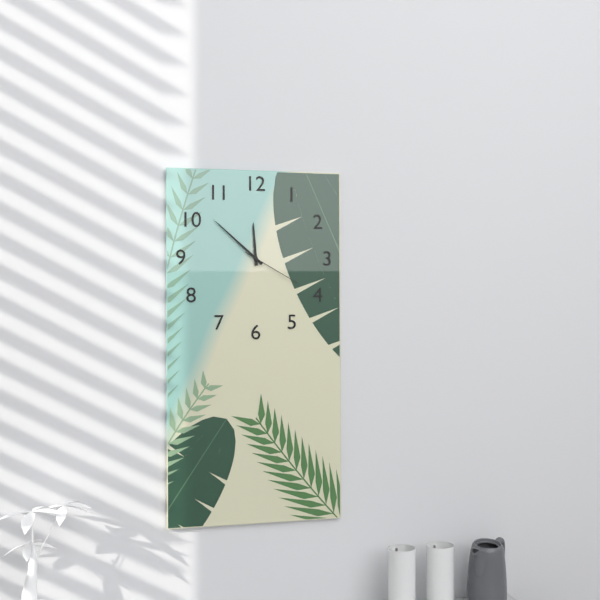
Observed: 11 h 52 min 20 s
